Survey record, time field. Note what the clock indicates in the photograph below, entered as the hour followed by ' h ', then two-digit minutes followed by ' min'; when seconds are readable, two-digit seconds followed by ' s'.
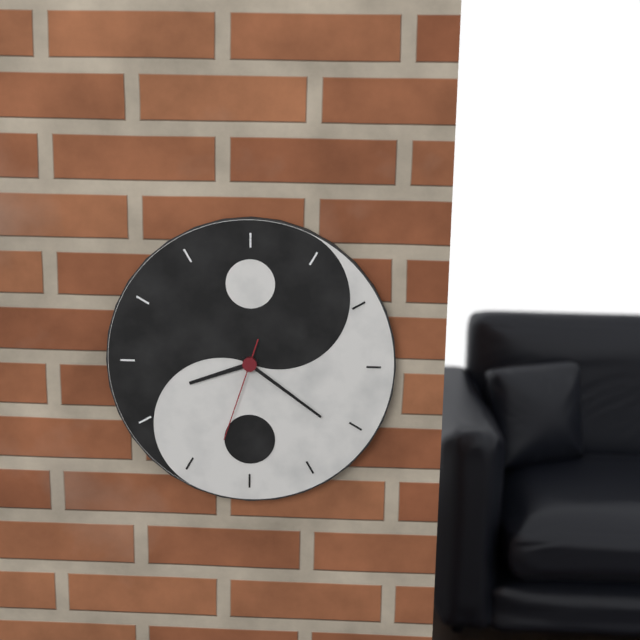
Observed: 8 h 21 min 33 s
